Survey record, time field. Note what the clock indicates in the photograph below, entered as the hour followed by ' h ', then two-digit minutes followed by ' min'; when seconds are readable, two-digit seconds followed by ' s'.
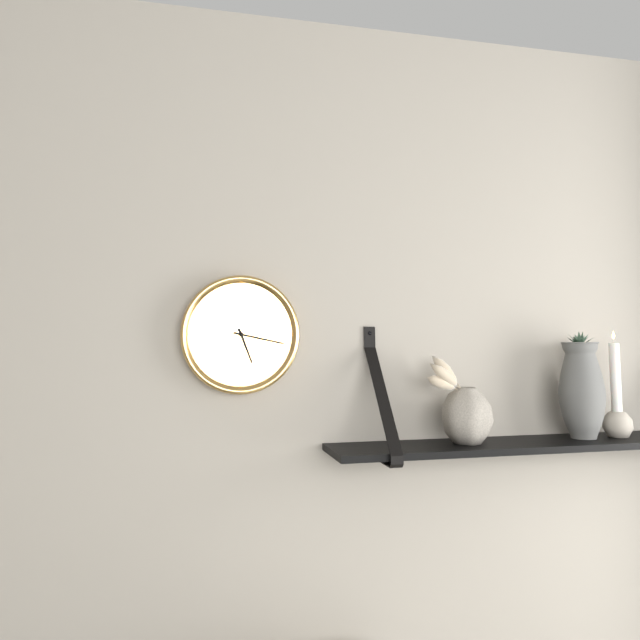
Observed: 5 h 17 min
